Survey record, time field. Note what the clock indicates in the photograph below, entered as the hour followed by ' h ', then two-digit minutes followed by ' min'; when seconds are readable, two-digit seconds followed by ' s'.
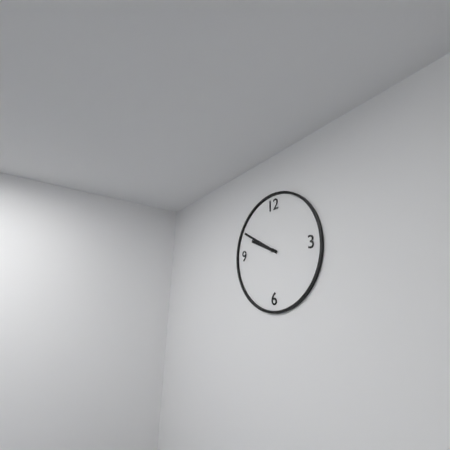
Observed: 9 h 50 min
